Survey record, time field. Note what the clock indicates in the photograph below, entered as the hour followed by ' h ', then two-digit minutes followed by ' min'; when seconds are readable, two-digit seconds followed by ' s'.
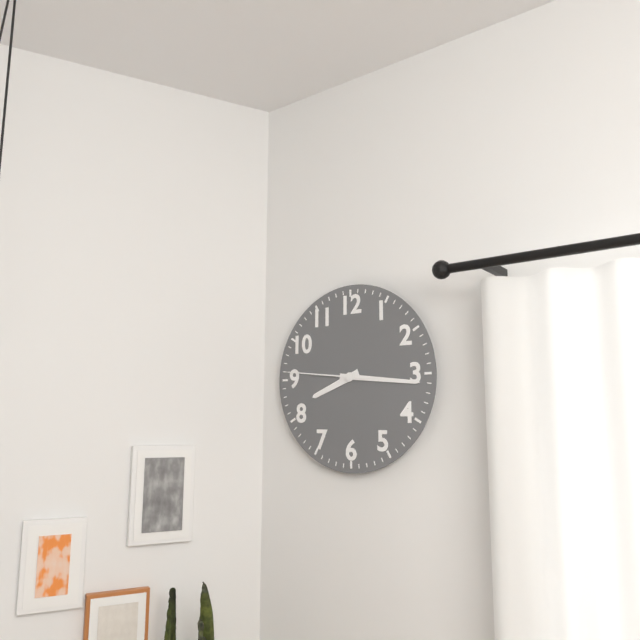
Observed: 8 h 16 min 46 s
